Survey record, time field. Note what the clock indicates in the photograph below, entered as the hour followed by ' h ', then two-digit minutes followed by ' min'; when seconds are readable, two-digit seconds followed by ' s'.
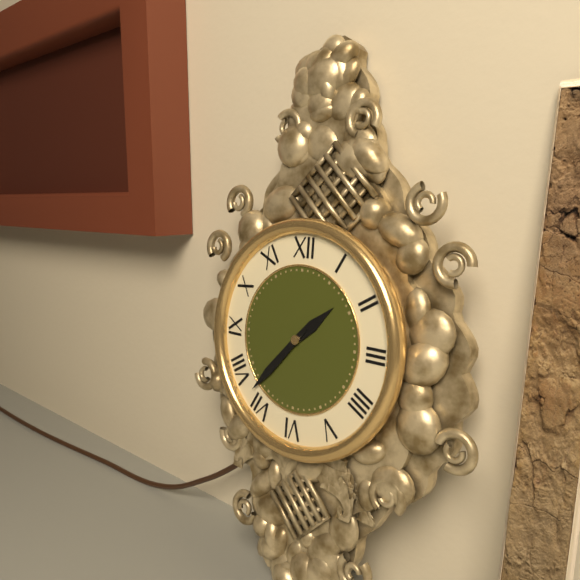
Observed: 1 h 37 min
